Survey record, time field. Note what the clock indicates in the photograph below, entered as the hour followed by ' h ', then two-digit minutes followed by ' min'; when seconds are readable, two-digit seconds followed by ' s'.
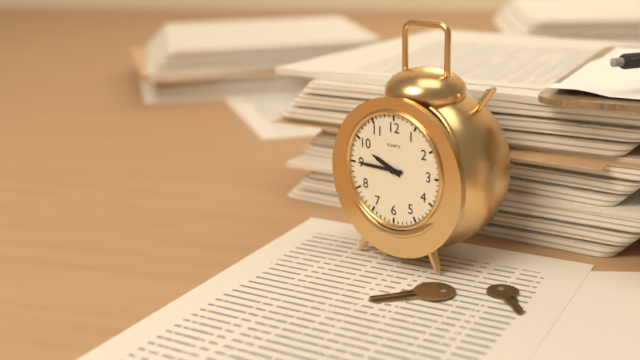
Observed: 9 h 45 min
